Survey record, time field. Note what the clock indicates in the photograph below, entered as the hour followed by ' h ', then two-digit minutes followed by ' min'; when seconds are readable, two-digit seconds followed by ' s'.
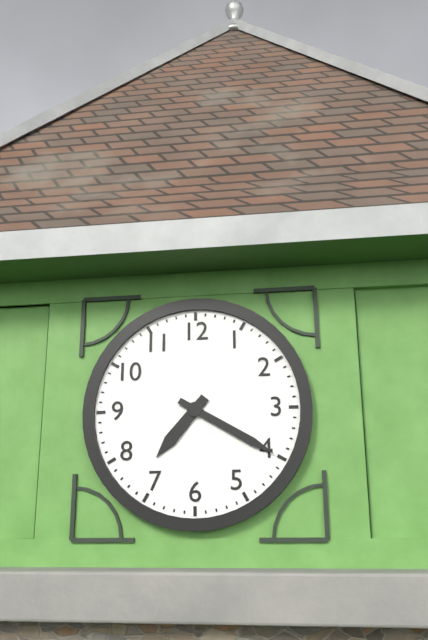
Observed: 7 h 20 min
